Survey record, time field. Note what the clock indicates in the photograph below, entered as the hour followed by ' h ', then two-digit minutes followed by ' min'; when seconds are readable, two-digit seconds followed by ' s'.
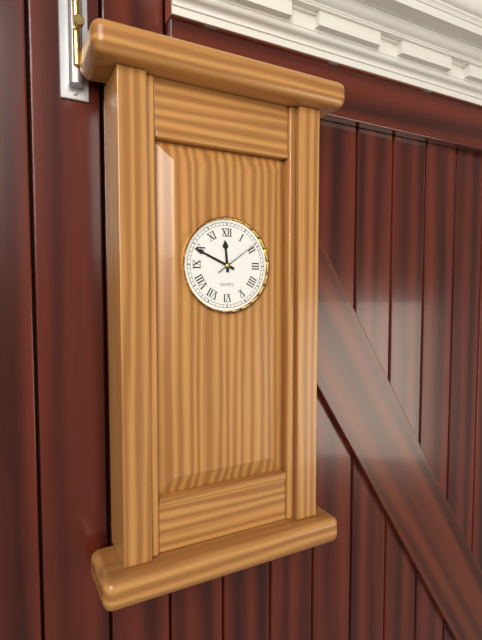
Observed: 11 h 49 min
